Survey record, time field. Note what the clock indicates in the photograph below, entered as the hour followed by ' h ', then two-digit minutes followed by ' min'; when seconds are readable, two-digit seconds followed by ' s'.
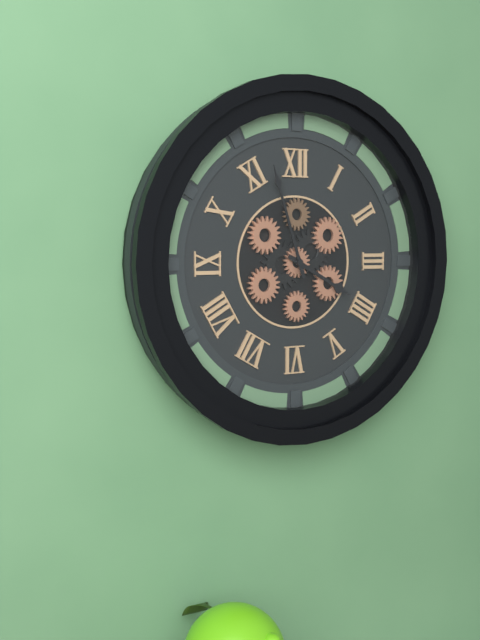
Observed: 3 h 57 min
